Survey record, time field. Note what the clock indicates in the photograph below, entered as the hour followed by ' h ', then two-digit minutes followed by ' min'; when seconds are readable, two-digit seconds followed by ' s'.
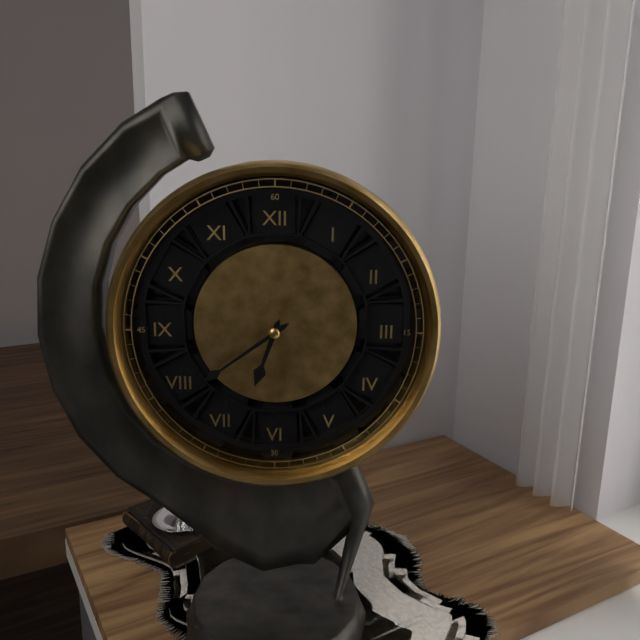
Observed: 6 h 39 min
